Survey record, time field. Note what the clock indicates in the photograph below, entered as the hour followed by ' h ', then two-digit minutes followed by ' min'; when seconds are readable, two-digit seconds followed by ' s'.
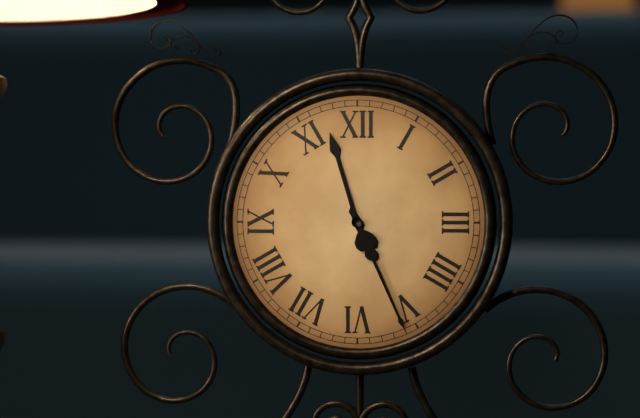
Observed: 11 h 26 min
